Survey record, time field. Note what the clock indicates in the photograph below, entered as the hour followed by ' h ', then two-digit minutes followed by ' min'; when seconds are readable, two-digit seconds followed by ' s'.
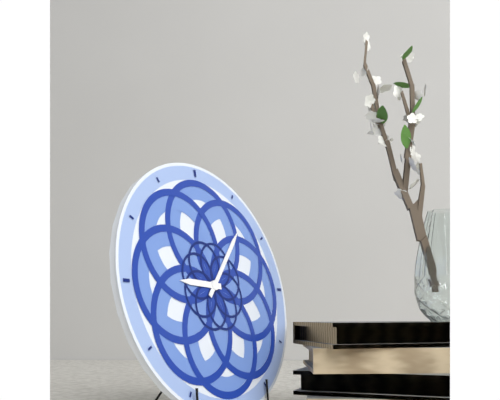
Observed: 9 h 07 min
